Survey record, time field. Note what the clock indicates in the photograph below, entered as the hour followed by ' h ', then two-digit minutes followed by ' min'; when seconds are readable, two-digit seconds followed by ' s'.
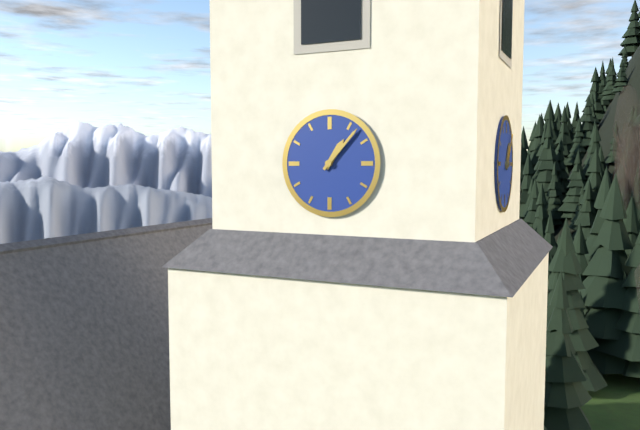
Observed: 1 h 07 min
